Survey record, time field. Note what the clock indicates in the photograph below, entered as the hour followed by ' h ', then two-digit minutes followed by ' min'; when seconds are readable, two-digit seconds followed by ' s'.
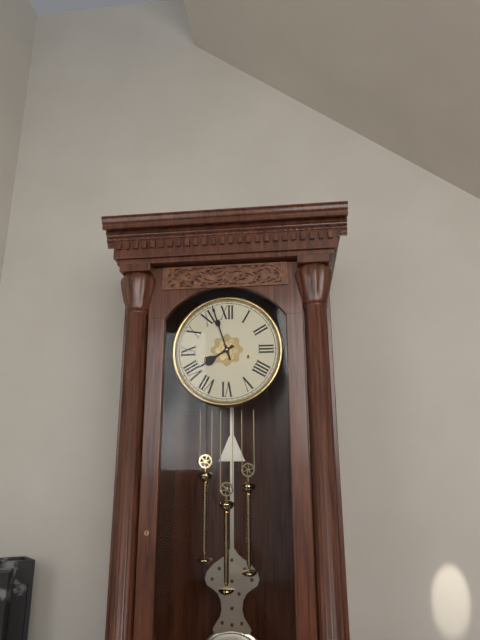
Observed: 7 h 57 min
